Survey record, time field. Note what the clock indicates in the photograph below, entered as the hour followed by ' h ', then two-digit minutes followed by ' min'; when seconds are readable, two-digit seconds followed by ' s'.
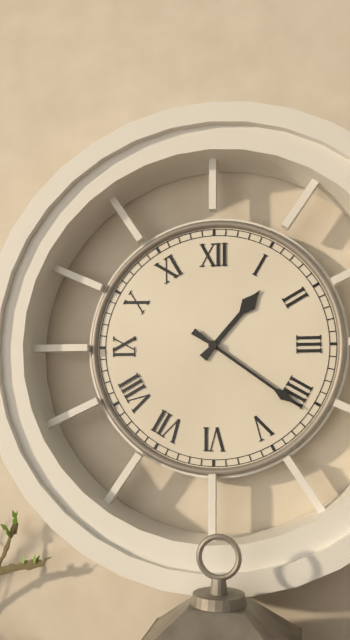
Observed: 1 h 21 min
